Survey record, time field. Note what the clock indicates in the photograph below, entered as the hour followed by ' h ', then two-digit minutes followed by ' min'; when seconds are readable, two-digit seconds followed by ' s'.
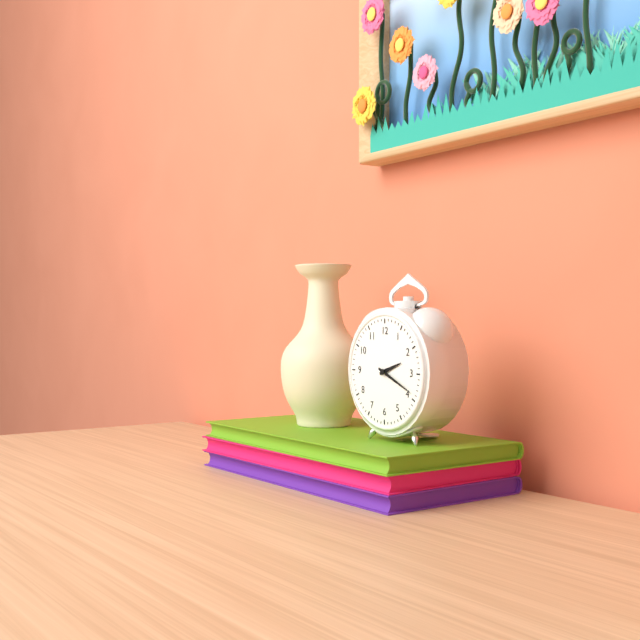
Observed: 2 h 19 min
